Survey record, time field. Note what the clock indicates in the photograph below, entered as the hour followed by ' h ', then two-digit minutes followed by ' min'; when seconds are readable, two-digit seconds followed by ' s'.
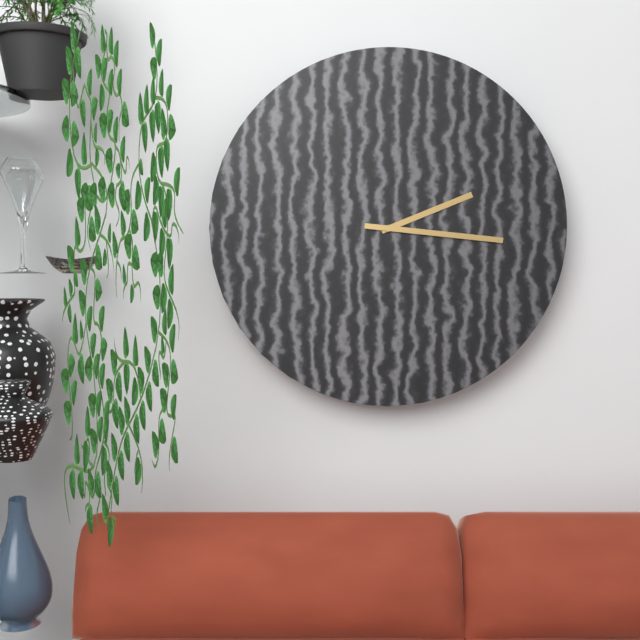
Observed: 2 h 16 min
